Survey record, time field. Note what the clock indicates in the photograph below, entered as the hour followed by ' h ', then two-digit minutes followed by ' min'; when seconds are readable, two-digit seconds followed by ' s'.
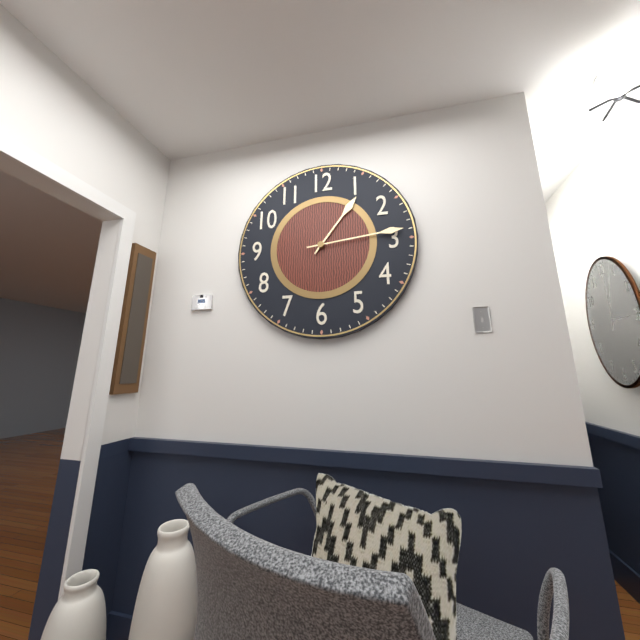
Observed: 1 h 14 min
